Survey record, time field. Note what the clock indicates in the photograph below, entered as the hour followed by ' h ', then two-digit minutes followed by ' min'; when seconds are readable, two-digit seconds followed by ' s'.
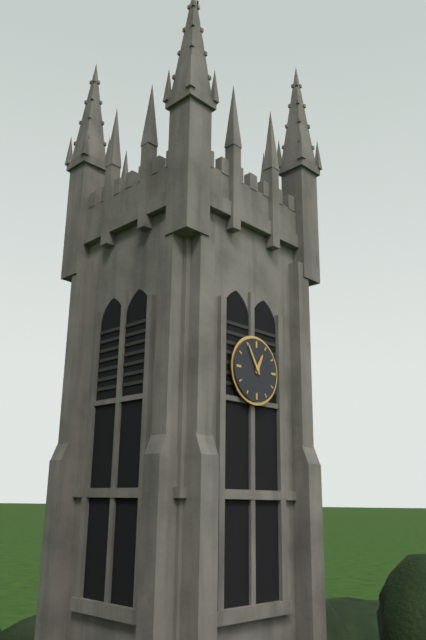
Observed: 12 h 55 min
